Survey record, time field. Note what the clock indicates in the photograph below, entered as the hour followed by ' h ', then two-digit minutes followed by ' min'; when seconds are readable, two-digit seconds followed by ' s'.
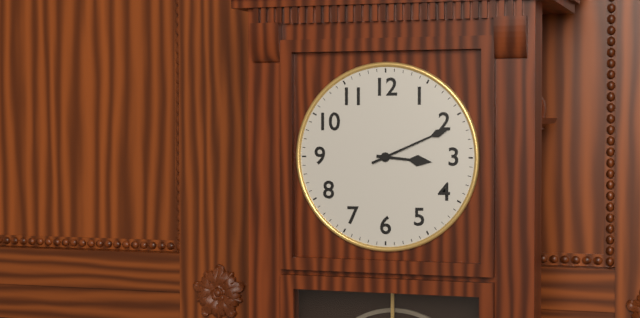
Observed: 3 h 11 min
